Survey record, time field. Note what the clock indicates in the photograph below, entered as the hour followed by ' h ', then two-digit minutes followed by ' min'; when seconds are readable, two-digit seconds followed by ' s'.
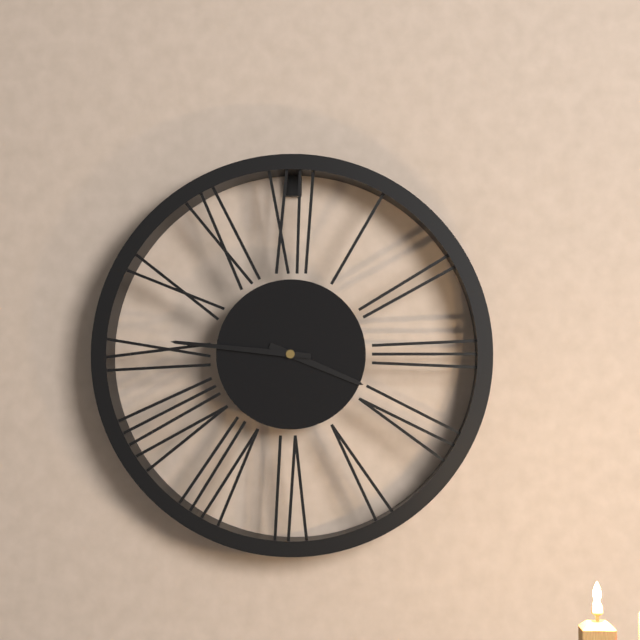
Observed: 3 h 46 min
